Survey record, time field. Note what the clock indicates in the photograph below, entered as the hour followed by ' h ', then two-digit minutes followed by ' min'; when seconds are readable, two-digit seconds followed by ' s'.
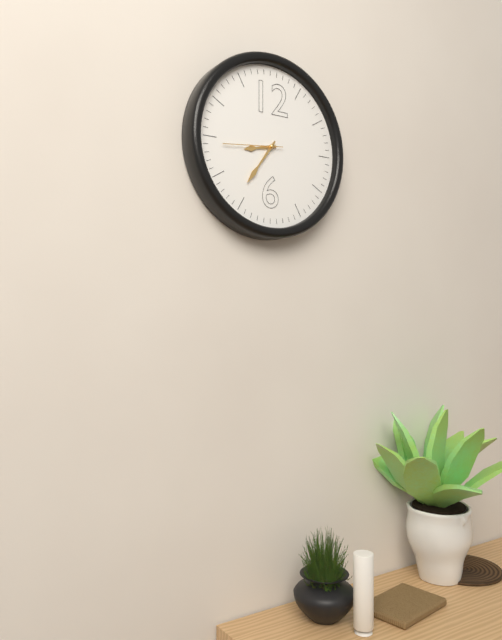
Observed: 8 h 36 min 44 s
